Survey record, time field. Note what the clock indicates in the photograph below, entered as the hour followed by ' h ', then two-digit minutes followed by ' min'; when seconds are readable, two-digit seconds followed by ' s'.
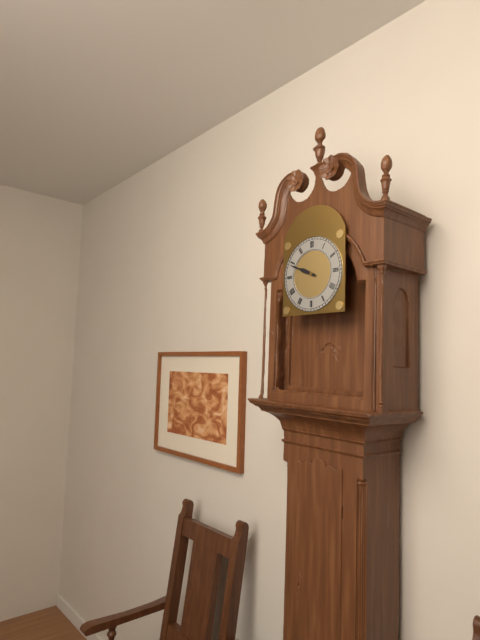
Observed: 9 h 49 min
